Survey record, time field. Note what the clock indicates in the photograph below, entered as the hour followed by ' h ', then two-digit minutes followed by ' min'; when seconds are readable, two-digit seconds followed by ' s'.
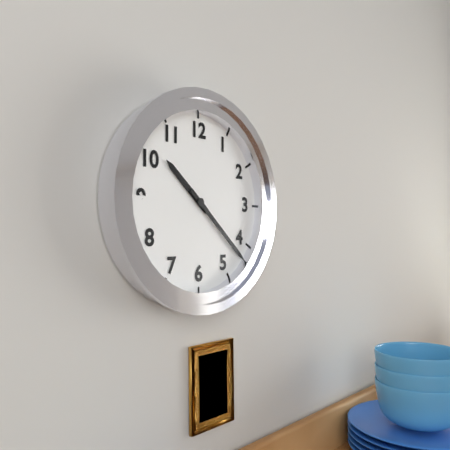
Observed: 10 h 22 min
